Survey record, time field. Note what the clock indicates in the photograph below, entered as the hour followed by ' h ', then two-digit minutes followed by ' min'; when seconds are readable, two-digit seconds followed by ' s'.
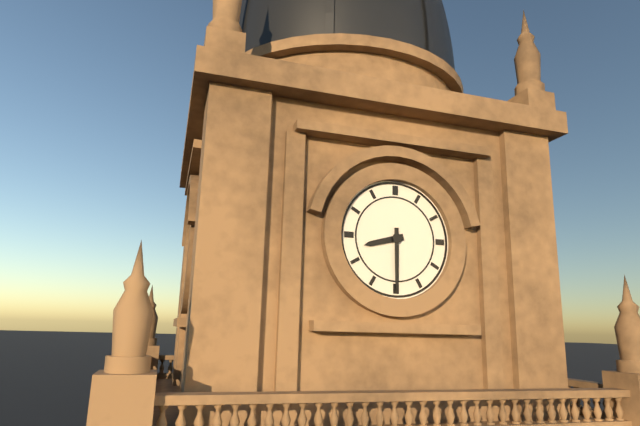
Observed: 8 h 30 min
